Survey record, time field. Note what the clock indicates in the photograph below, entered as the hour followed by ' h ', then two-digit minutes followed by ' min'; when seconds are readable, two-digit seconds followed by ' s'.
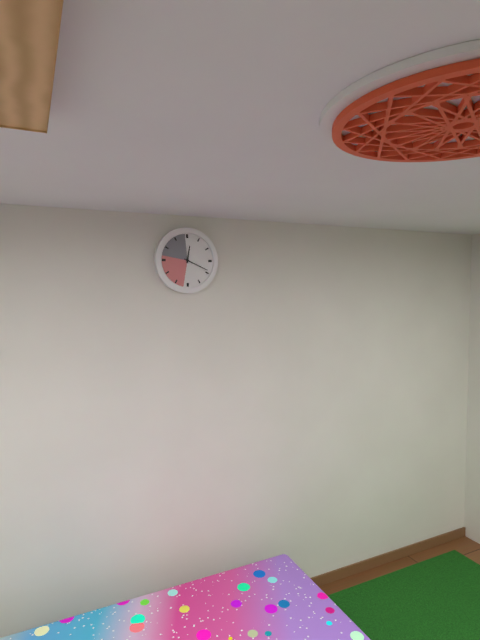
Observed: 12 h 19 min
